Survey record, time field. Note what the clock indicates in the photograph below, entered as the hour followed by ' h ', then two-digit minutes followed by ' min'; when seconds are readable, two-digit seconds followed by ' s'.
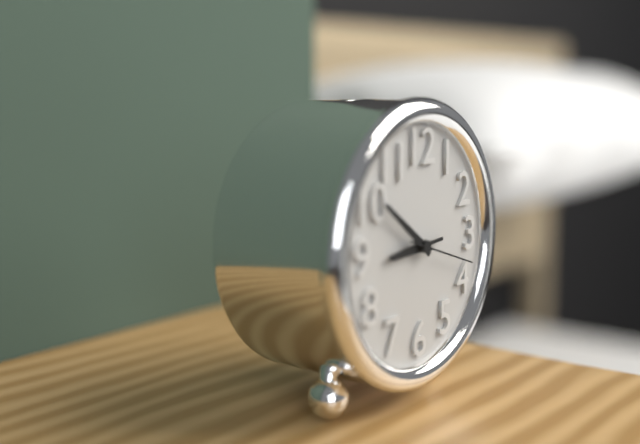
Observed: 8 h 51 min 18 s
